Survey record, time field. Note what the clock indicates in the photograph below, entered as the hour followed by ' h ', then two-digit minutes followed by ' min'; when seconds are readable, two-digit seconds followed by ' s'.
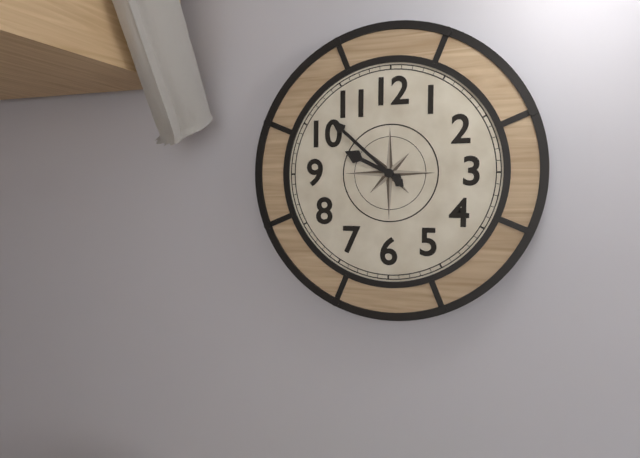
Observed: 9 h 52 min
